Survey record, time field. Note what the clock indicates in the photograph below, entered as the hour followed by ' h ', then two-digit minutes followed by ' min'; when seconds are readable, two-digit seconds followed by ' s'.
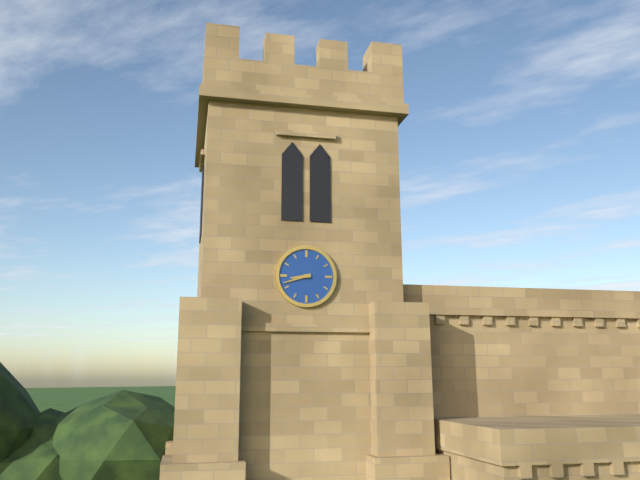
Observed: 8 h 42 min
